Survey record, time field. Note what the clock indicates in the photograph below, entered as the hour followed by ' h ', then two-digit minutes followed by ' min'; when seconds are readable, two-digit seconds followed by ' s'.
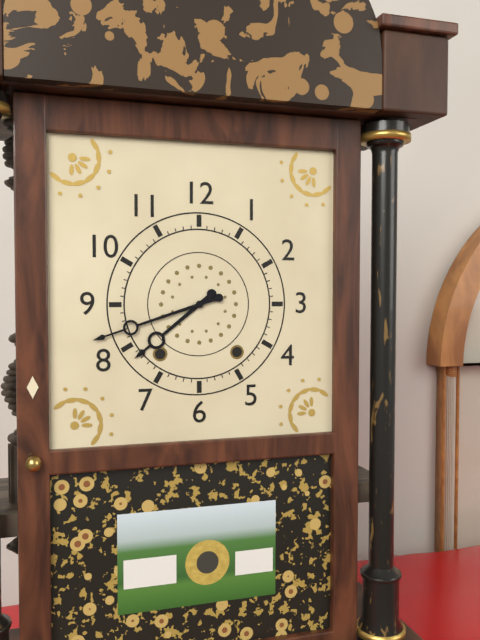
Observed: 7 h 42 min
